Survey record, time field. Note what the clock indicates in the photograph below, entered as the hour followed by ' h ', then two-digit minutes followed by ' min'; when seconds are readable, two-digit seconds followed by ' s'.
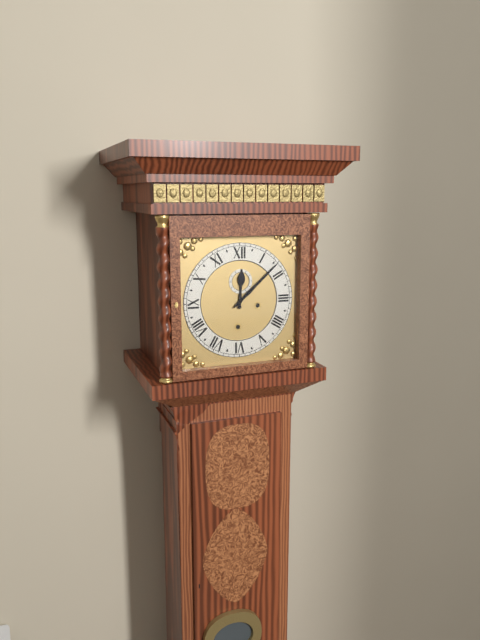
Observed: 12 h 08 min
